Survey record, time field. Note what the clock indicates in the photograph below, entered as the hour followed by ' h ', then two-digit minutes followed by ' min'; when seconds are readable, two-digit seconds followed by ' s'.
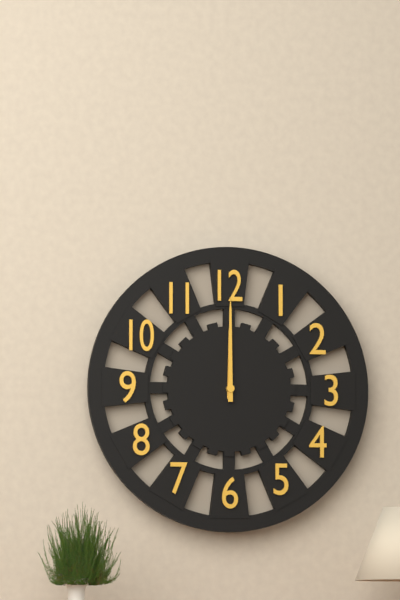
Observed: 12 h 00 min
